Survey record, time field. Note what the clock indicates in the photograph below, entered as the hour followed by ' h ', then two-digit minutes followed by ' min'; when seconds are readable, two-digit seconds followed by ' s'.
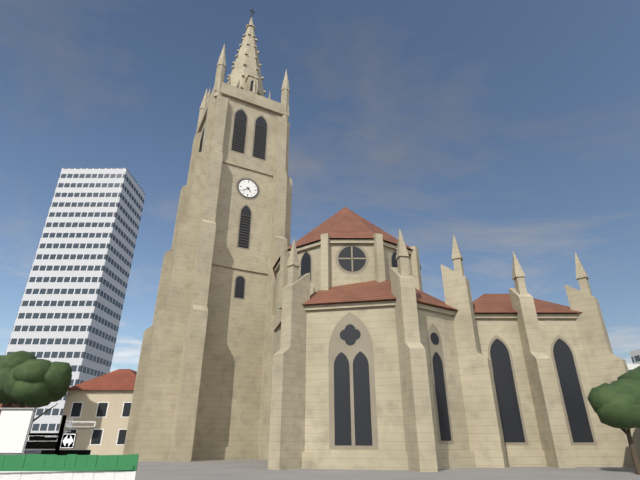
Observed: 4 h 39 min
